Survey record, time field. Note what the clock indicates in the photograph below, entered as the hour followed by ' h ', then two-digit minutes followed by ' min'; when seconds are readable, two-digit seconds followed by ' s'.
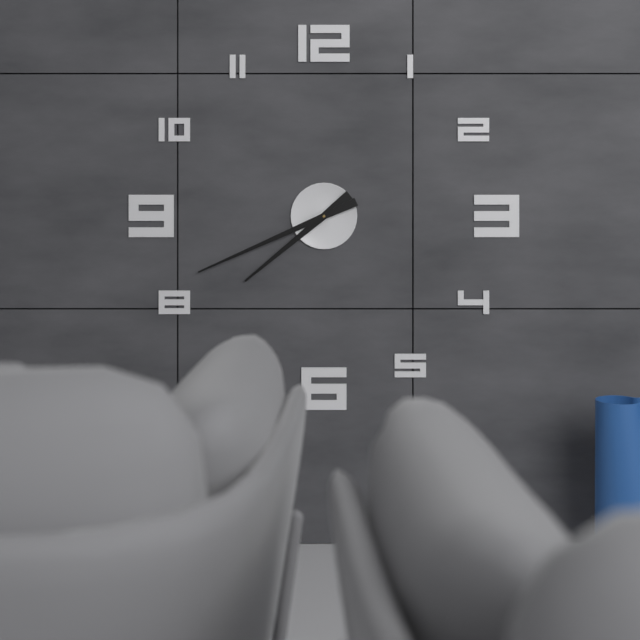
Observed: 7 h 41 min
